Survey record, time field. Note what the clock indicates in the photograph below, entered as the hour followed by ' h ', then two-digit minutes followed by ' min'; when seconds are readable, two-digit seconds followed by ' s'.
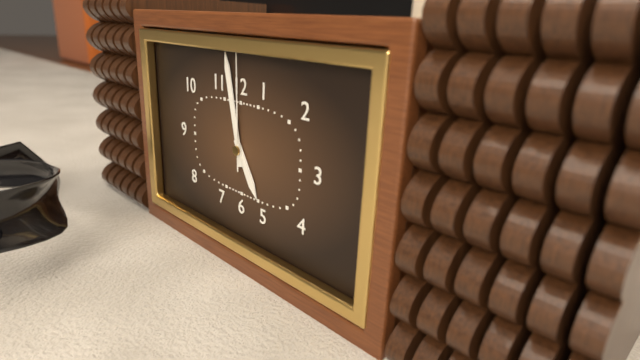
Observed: 4 h 58 min 00 s
